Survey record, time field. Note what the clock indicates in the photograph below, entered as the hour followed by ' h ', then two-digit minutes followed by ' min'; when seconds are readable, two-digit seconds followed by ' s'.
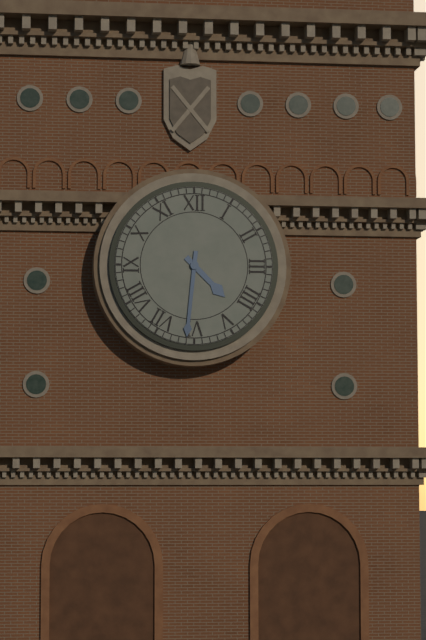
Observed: 4 h 31 min
